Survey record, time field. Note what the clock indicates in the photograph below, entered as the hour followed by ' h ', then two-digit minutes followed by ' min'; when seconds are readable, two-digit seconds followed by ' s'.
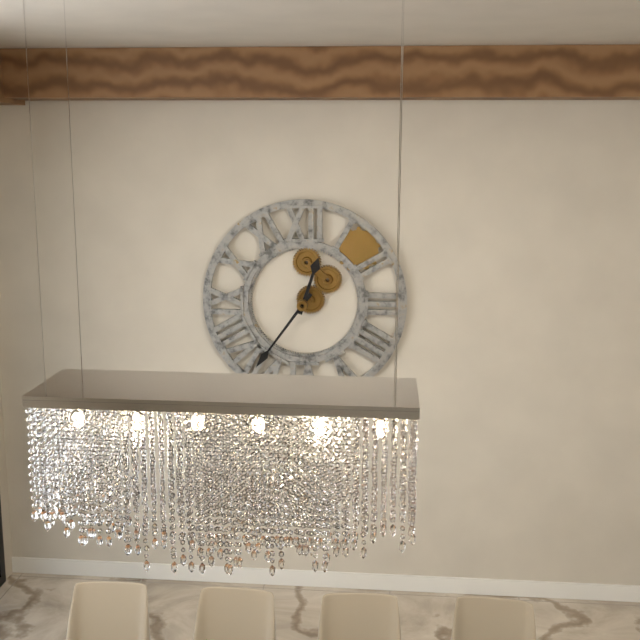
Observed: 12 h 36 min
